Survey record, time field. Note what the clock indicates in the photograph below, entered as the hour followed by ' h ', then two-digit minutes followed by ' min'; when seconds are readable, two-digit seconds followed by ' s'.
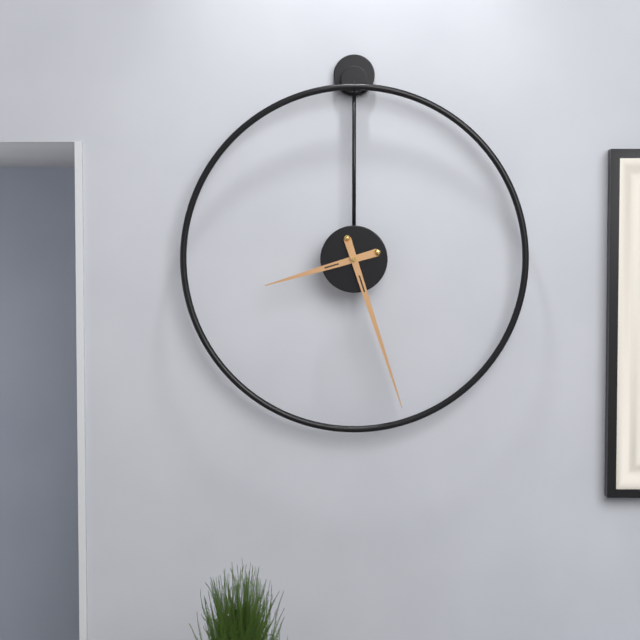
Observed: 8 h 27 min
